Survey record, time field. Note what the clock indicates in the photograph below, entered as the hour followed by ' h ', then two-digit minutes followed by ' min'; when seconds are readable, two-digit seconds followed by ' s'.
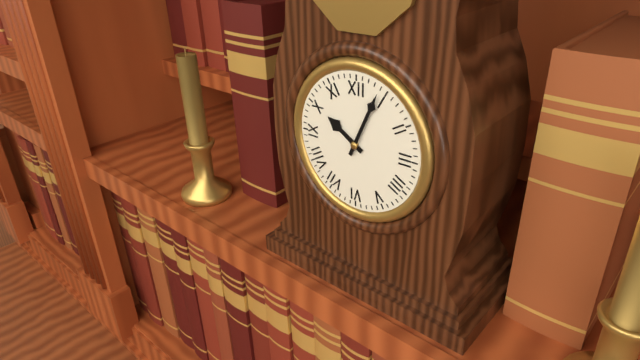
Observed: 10 h 04 min
